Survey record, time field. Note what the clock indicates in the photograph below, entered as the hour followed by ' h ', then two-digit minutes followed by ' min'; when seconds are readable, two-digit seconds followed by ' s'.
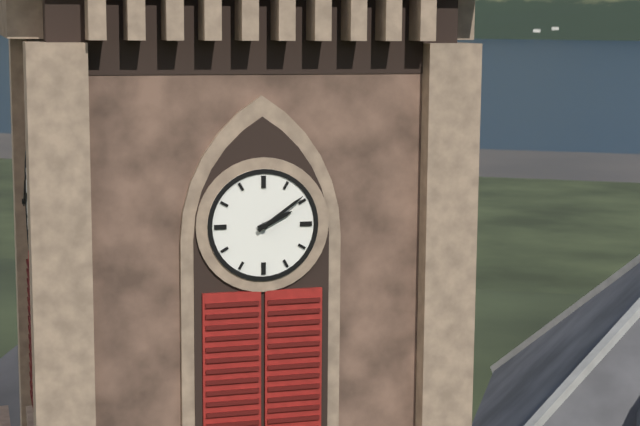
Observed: 2 h 09 min
